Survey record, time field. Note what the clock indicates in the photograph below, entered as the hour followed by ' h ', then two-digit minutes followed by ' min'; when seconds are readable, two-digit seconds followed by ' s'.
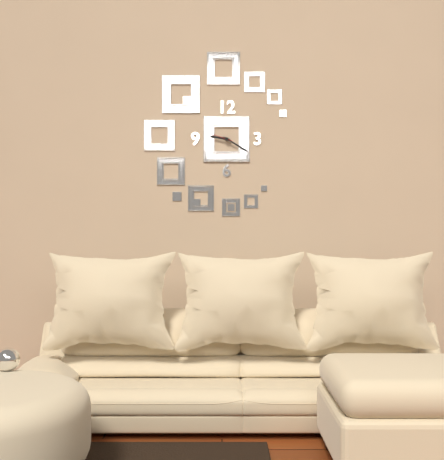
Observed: 9 h 20 min
